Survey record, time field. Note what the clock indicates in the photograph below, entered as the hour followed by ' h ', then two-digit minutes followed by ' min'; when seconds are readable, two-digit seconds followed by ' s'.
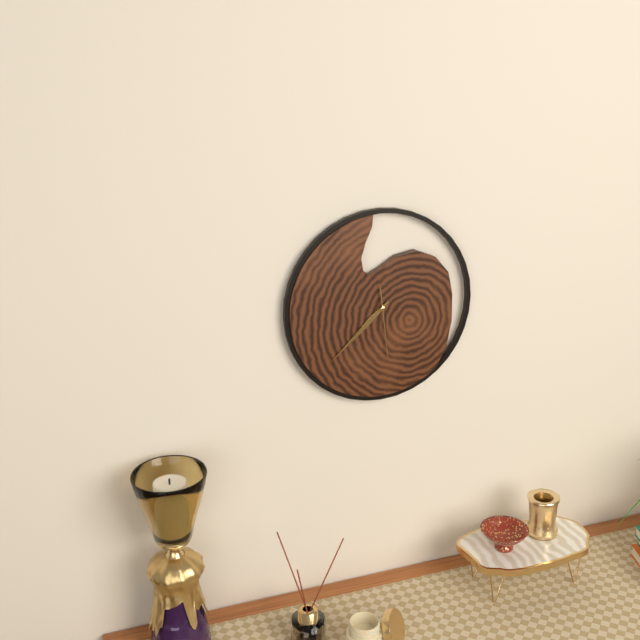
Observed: 7 h 38 min 29 s
